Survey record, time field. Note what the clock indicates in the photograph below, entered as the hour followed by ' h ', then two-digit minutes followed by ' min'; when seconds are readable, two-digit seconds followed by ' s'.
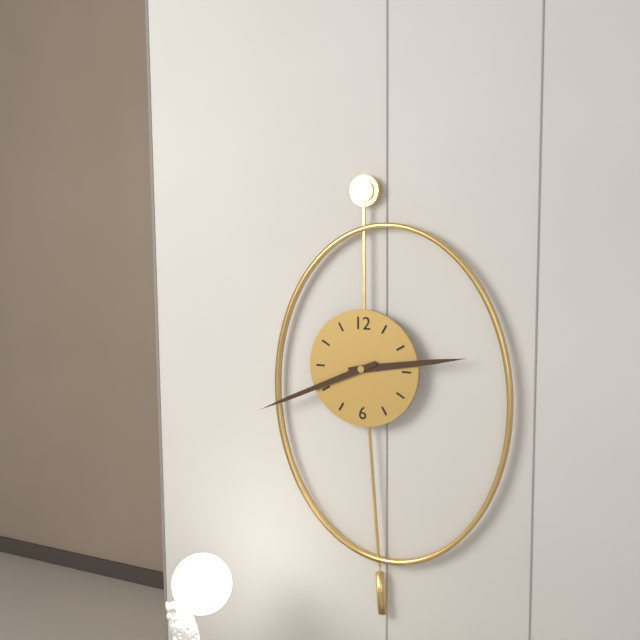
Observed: 2 h 41 min
